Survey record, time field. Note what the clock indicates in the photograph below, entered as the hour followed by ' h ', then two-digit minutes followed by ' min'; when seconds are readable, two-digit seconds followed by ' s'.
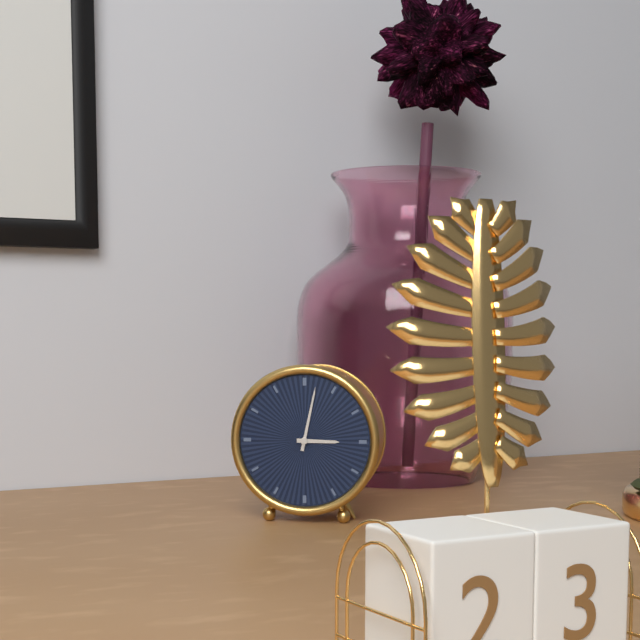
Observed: 3 h 02 min
